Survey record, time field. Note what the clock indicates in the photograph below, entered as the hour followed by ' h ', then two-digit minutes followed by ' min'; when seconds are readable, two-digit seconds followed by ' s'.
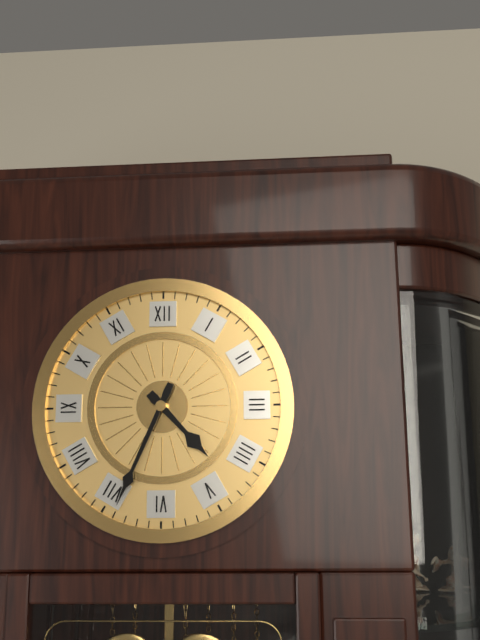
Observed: 4 h 34 min
